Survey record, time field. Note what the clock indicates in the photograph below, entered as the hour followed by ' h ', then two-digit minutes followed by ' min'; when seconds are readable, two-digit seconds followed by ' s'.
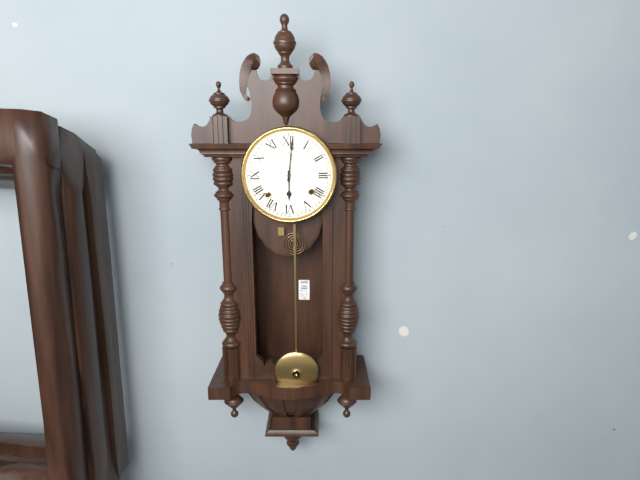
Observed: 6 h 01 min
